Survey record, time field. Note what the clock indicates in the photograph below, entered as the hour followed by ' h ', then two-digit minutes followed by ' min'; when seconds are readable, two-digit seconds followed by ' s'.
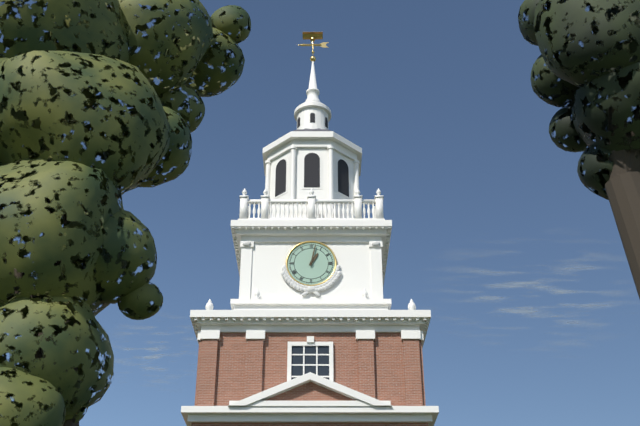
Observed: 1 h 02 min
